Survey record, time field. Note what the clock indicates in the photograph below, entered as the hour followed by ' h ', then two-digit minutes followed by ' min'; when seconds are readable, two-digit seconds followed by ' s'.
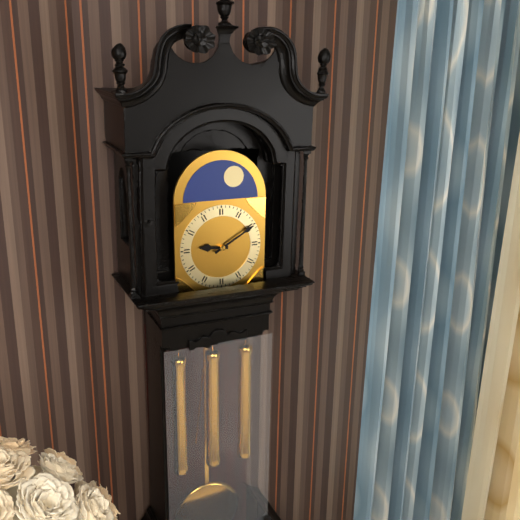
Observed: 9 h 10 min
